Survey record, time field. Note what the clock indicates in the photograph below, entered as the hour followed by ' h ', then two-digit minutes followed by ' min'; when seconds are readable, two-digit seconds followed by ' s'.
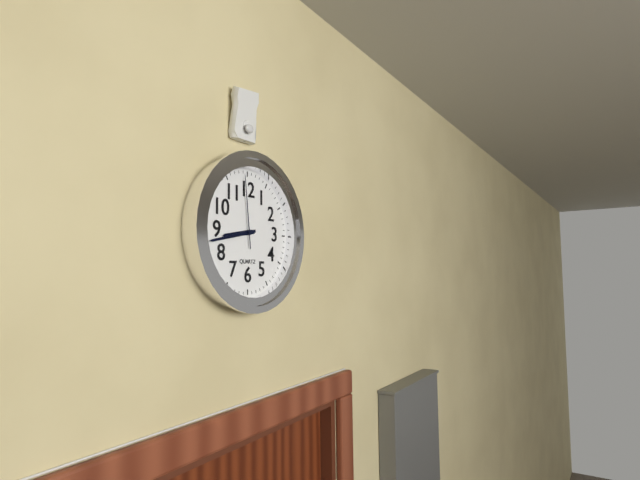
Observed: 8 h 43 min 59 s
